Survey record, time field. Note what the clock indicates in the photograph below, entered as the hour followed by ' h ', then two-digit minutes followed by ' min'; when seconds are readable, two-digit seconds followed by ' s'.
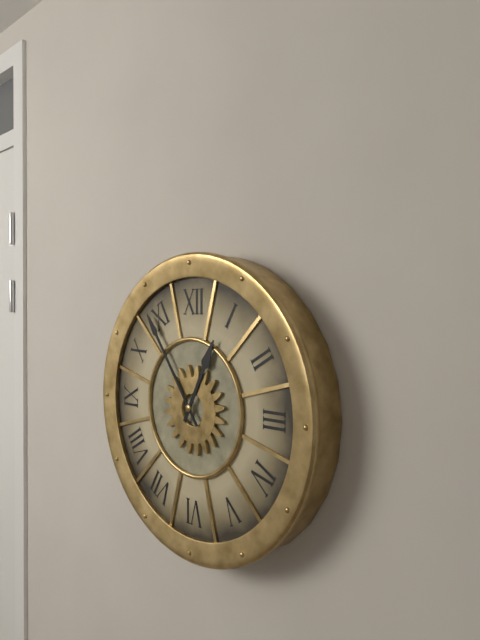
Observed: 12 h 54 min
